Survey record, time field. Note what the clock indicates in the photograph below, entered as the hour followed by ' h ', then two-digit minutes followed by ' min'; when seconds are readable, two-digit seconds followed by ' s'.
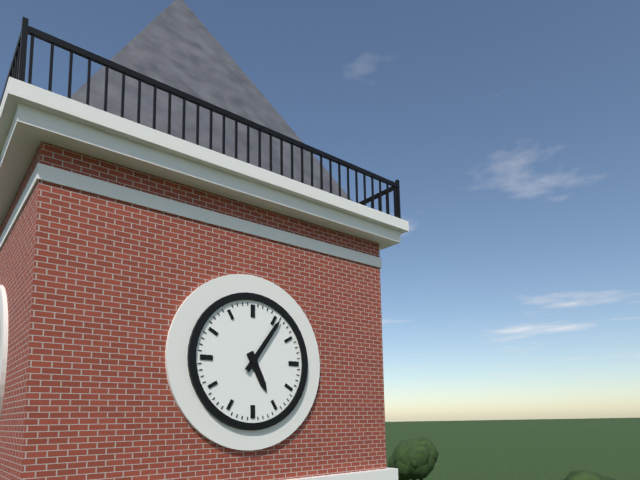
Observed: 5 h 06 min
